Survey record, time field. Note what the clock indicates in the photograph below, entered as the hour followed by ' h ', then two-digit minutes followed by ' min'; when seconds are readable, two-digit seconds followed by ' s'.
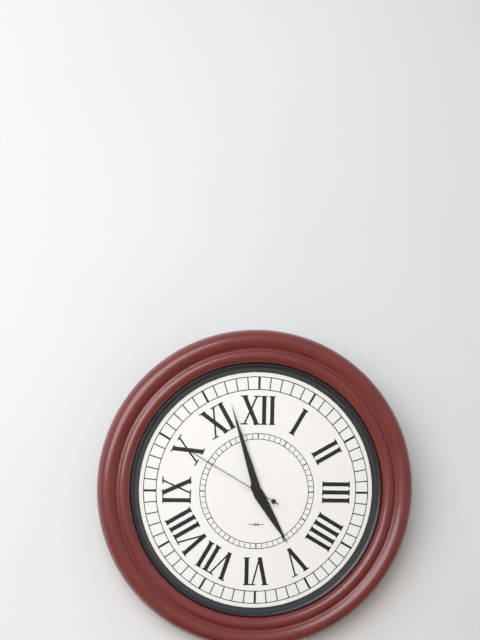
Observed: 4 h 57 min 50 s
